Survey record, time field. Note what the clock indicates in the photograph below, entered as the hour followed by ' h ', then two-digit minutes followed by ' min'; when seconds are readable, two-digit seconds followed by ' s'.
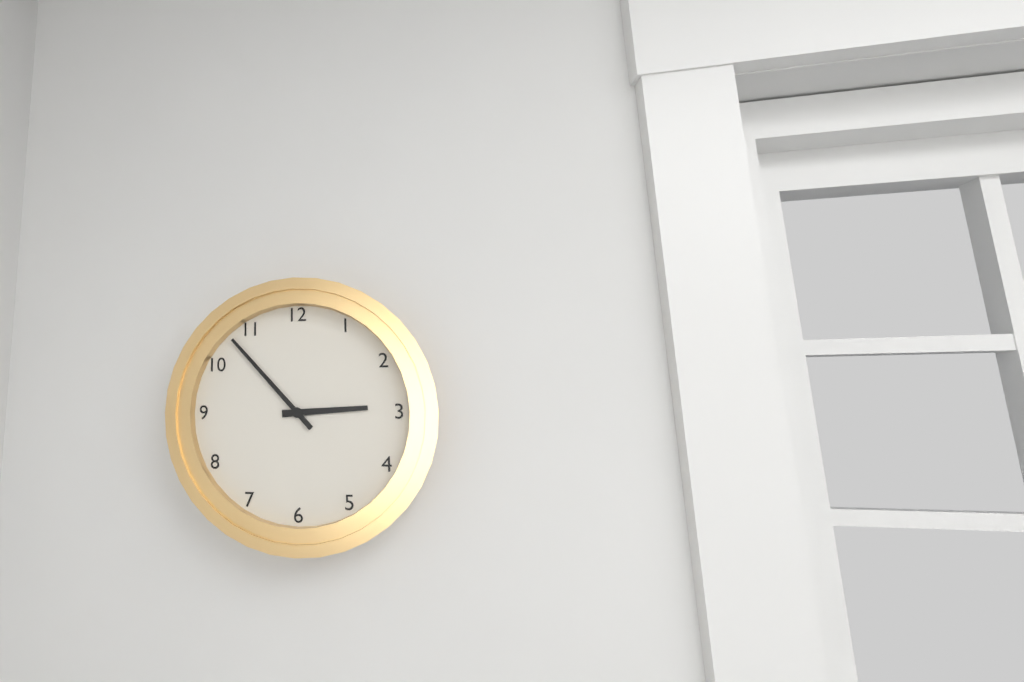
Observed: 2 h 53 min
